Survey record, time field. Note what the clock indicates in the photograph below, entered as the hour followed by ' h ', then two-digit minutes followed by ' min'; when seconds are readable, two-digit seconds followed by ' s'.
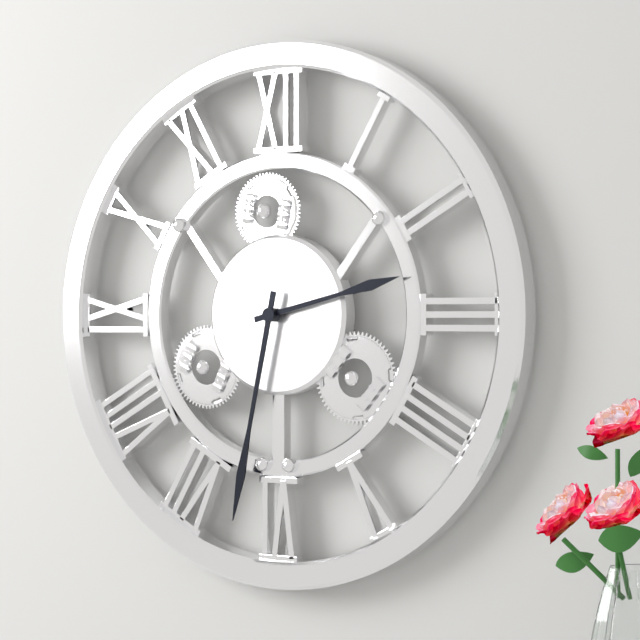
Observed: 2 h 32 min
